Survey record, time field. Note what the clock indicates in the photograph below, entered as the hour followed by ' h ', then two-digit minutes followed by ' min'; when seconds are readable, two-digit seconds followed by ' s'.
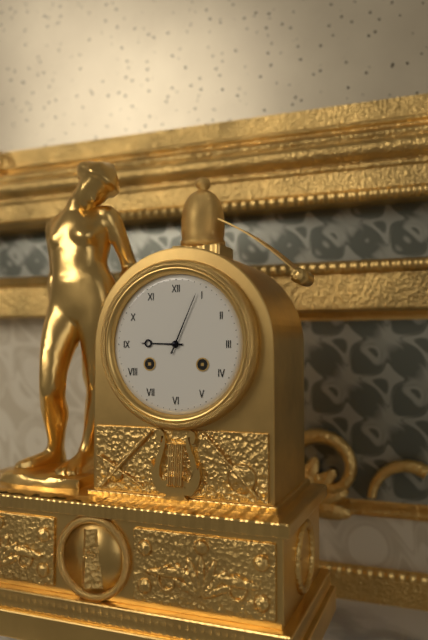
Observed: 9 h 04 min
